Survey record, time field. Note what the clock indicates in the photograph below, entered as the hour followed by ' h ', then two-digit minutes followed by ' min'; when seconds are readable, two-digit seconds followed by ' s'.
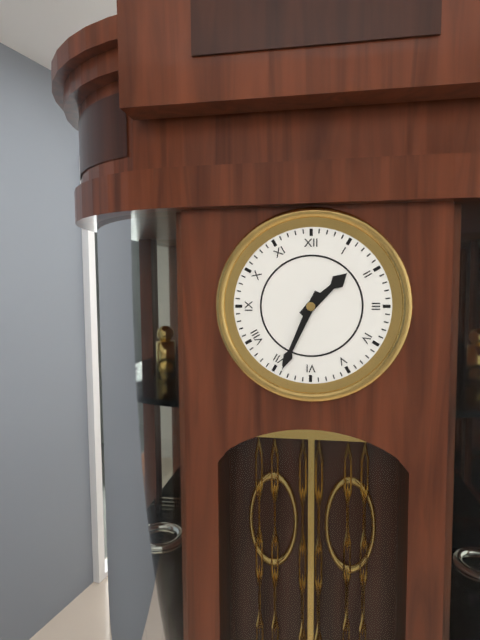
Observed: 1 h 34 min
